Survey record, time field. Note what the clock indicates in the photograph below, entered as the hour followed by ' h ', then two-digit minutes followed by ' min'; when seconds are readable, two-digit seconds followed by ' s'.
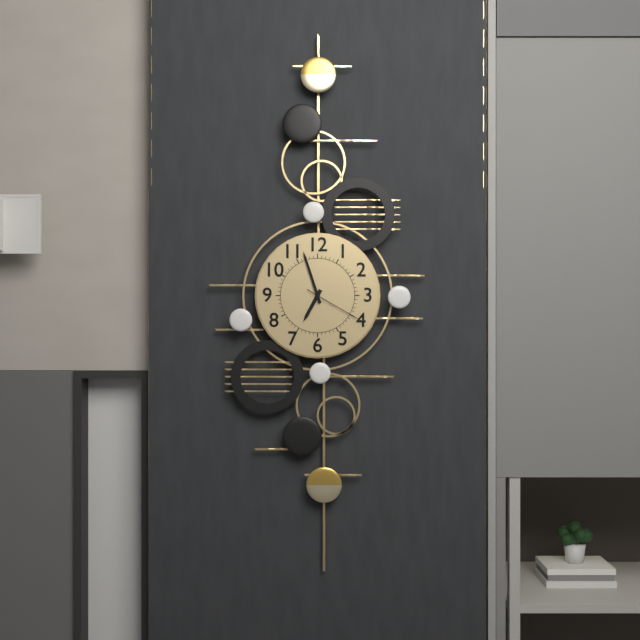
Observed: 6 h 57 min 20 s
